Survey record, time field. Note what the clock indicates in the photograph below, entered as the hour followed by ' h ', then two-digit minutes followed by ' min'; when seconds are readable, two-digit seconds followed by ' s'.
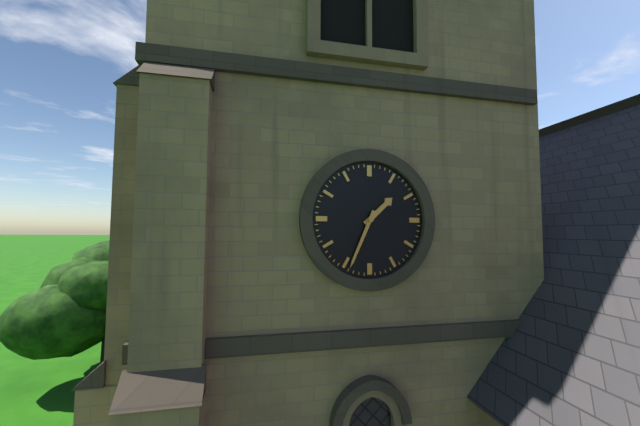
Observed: 1 h 34 min
